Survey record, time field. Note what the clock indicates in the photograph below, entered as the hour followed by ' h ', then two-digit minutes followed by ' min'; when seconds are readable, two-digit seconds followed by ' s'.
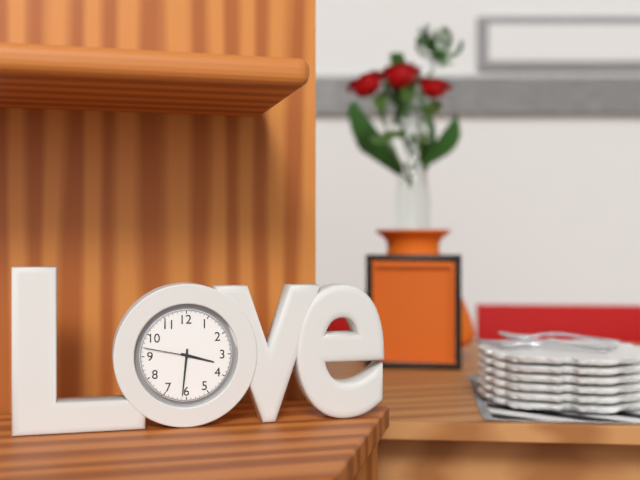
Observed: 3 h 31 min 47 s
